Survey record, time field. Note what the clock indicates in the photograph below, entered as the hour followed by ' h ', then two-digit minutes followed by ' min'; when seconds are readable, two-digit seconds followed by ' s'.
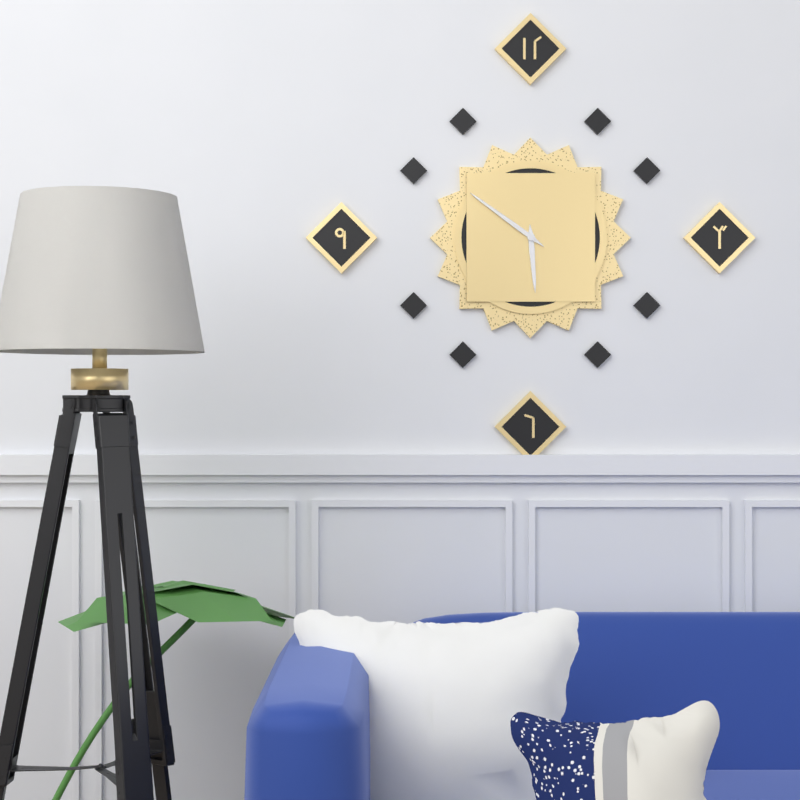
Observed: 5 h 51 min
